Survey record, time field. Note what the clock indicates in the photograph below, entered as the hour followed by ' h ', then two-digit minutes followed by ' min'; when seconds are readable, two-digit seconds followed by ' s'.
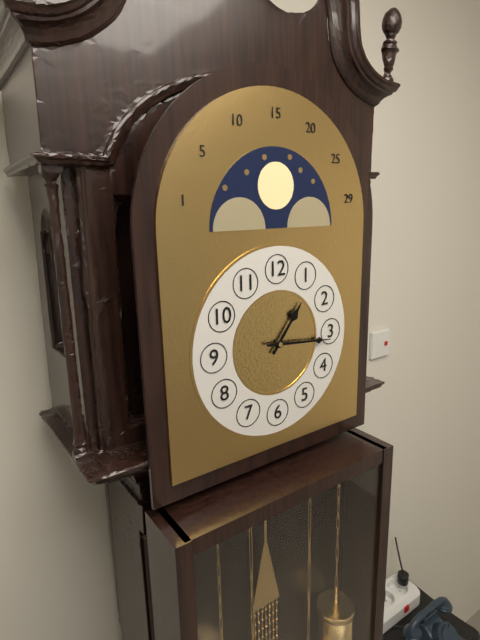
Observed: 1 h 16 min
